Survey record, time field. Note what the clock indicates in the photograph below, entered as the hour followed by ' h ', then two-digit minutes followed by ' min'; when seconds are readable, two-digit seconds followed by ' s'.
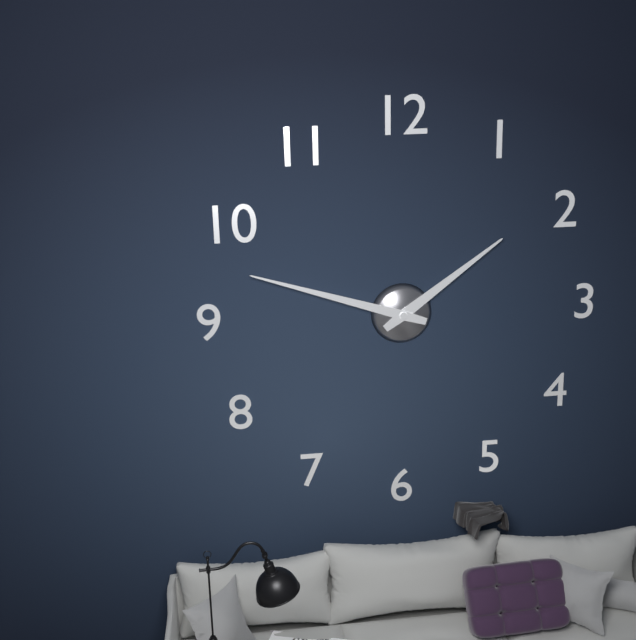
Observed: 1 h 48 min
